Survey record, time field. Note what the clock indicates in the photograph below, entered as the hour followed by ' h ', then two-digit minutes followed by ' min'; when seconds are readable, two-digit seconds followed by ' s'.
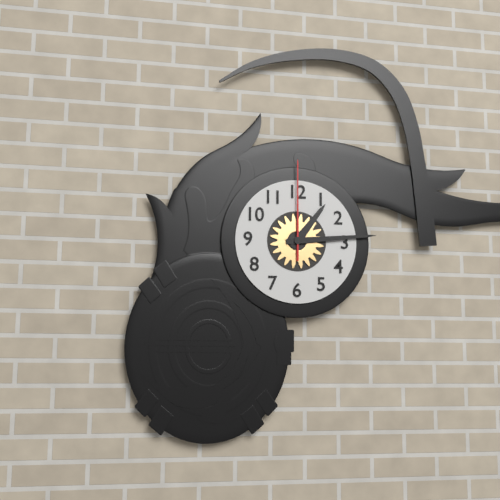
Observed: 1 h 14 min 00 s
